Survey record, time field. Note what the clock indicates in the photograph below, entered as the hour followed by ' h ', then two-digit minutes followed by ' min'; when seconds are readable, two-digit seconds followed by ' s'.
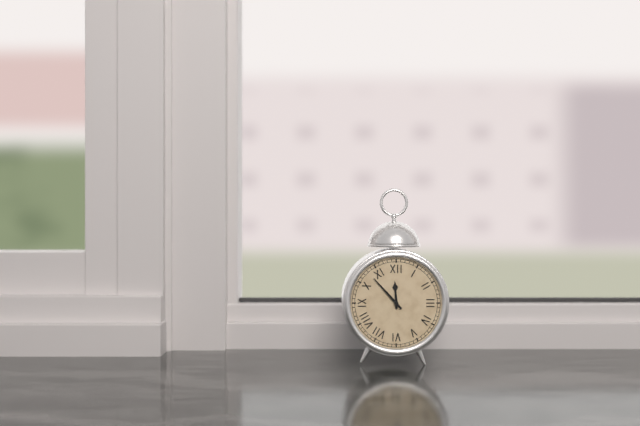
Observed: 11 h 53 min
